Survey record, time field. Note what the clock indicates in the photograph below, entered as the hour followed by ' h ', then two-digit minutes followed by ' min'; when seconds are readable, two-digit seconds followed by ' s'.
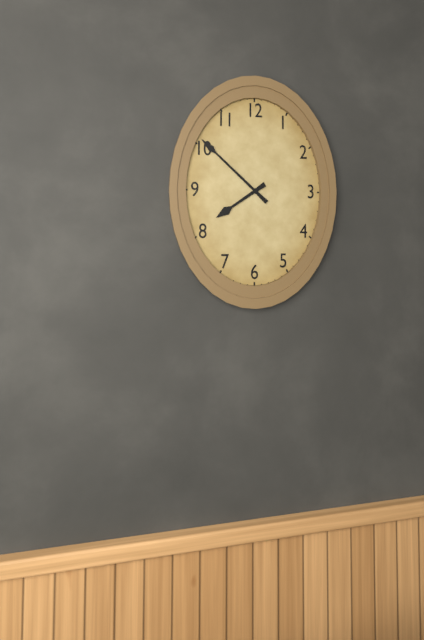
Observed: 7 h 52 min
